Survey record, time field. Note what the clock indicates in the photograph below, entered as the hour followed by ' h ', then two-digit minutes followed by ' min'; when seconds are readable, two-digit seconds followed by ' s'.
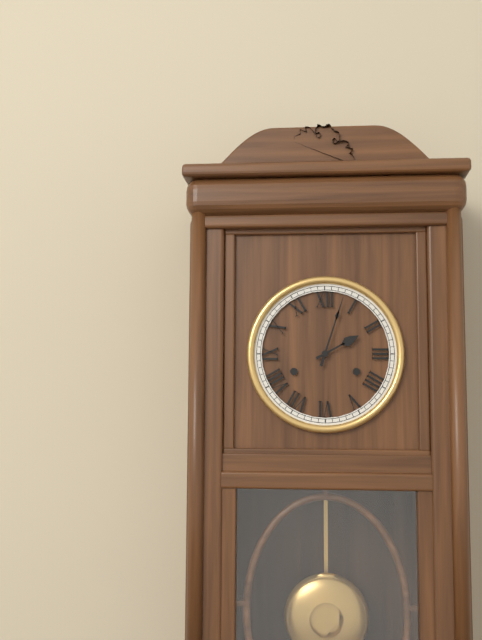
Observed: 2 h 03 min
